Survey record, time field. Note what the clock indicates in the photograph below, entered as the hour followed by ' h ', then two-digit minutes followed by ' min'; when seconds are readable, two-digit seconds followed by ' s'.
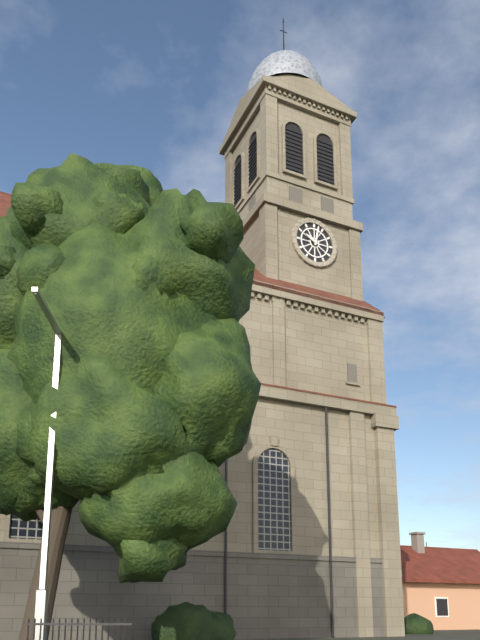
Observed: 10 h 02 min
